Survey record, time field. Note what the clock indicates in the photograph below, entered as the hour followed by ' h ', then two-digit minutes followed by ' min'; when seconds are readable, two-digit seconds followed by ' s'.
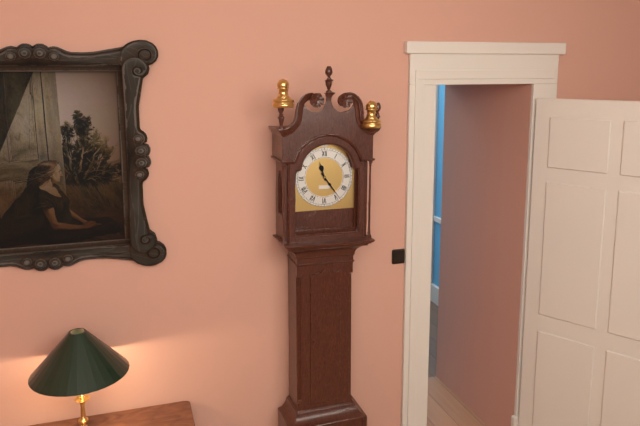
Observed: 11 h 24 min
